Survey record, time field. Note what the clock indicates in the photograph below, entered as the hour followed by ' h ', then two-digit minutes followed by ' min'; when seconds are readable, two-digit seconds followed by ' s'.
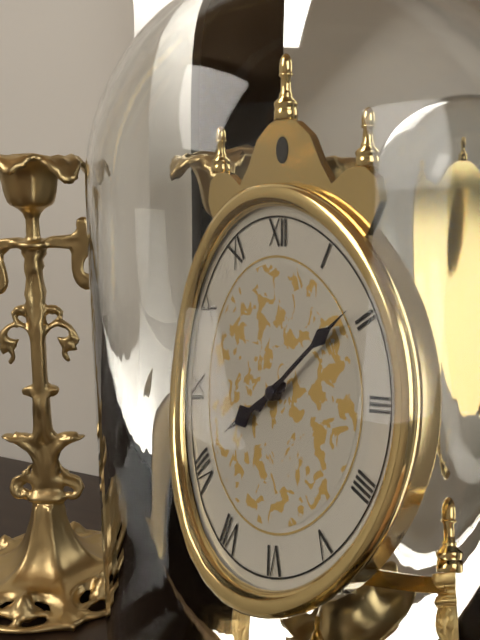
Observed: 8 h 09 min
